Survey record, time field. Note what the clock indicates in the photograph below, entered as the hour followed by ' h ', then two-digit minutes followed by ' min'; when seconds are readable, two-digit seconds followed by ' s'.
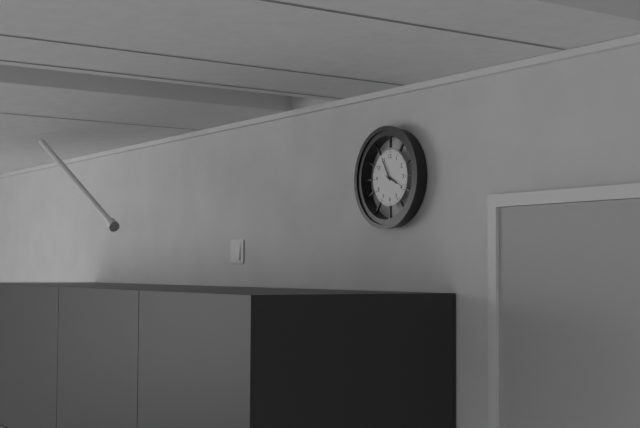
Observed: 3 h 55 min
